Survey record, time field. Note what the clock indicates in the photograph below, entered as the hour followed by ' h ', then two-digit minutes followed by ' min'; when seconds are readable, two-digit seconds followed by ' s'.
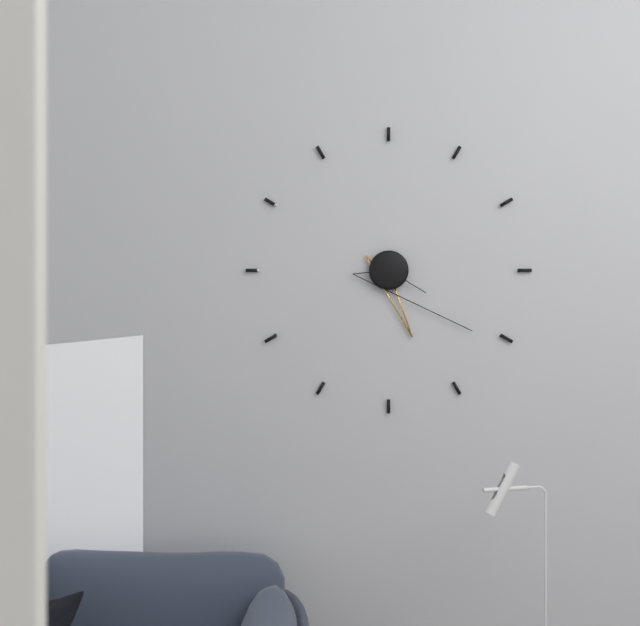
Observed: 5 h 21 min
